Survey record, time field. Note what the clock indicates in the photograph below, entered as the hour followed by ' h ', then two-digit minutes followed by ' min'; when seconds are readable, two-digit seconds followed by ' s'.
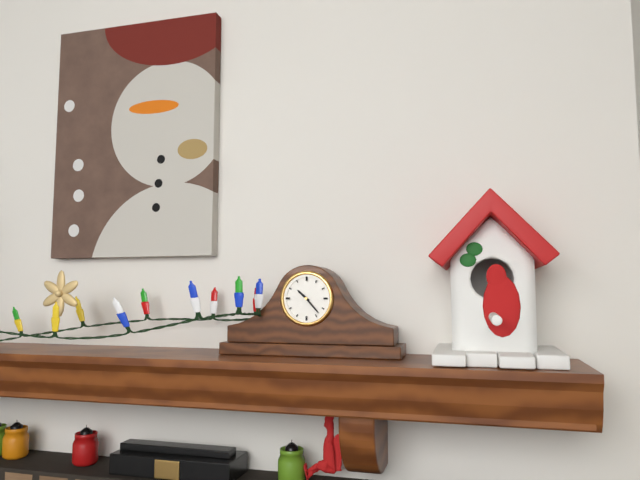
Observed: 10 h 23 min
